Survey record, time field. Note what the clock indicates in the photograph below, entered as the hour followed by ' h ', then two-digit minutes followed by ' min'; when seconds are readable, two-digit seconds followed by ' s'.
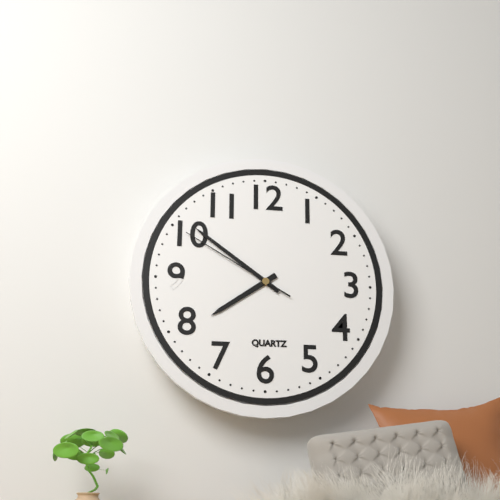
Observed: 7 h 51 min 50 s
